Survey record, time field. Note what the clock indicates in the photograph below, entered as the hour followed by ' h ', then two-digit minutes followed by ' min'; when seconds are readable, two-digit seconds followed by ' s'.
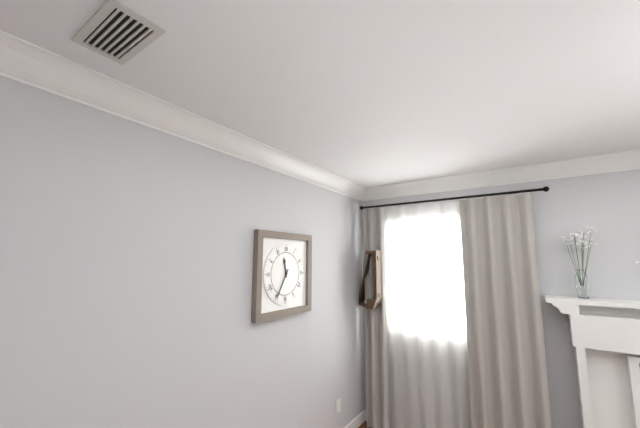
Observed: 11 h 35 min
